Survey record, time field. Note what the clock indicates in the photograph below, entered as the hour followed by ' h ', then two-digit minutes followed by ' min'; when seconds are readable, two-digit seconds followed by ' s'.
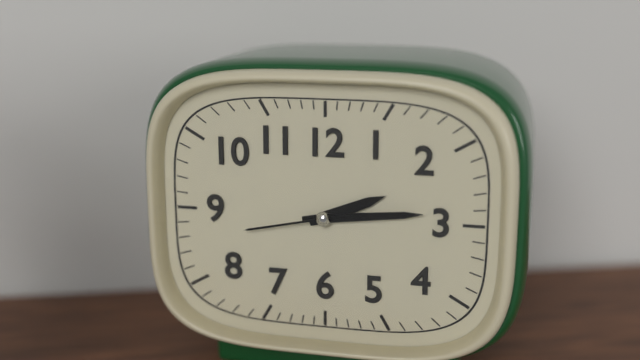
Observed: 2 h 14 min 43 s
